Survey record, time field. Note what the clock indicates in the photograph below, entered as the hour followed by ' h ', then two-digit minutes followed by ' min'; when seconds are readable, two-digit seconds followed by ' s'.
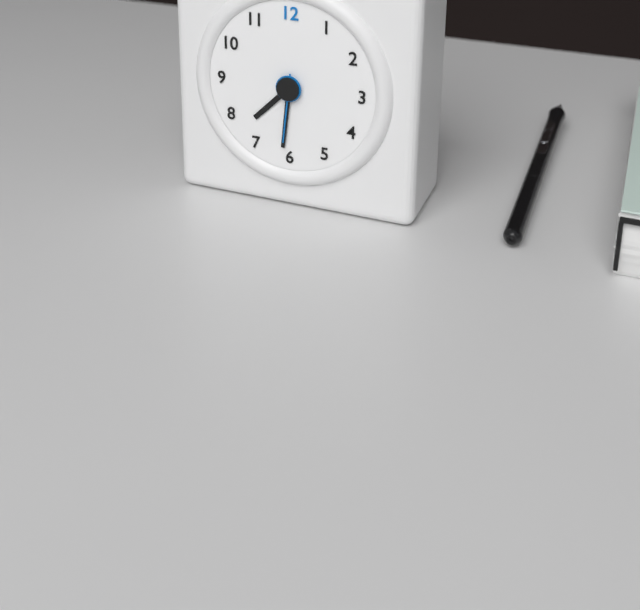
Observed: 7 h 31 min 31 s
